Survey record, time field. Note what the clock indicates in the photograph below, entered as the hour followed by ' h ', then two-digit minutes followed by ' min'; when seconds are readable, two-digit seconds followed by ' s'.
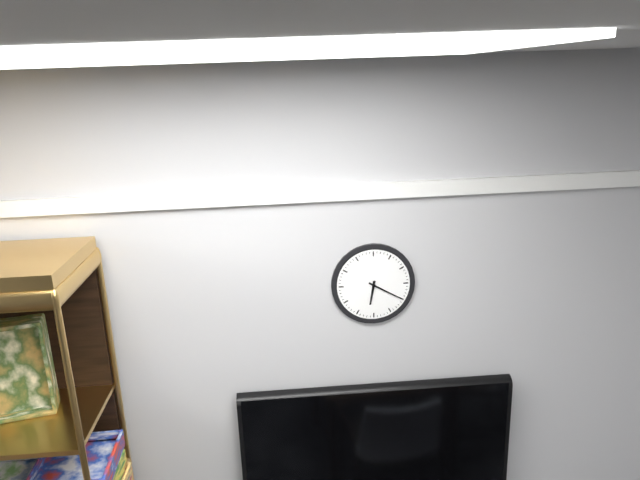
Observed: 6 h 20 min
